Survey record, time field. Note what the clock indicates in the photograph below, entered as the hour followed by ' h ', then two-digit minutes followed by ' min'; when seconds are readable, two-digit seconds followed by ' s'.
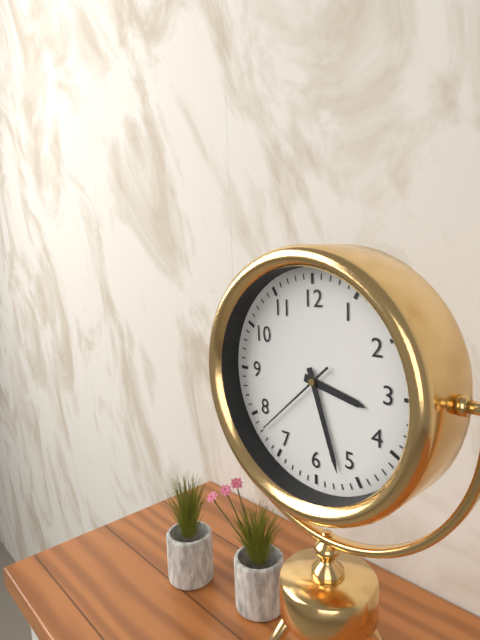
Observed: 3 h 27 min 38 s
